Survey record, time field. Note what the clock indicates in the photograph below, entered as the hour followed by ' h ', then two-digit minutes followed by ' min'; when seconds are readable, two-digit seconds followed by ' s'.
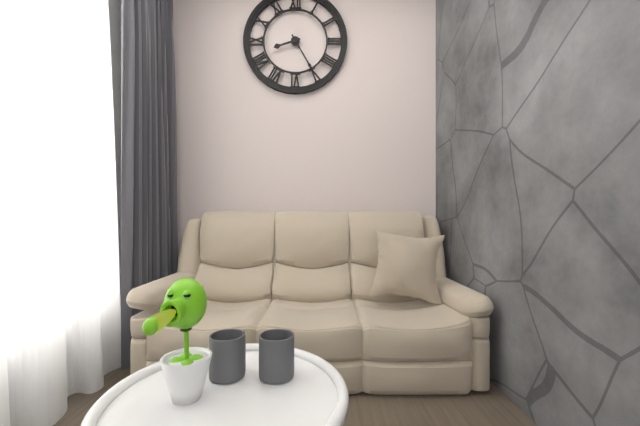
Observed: 8 h 25 min
